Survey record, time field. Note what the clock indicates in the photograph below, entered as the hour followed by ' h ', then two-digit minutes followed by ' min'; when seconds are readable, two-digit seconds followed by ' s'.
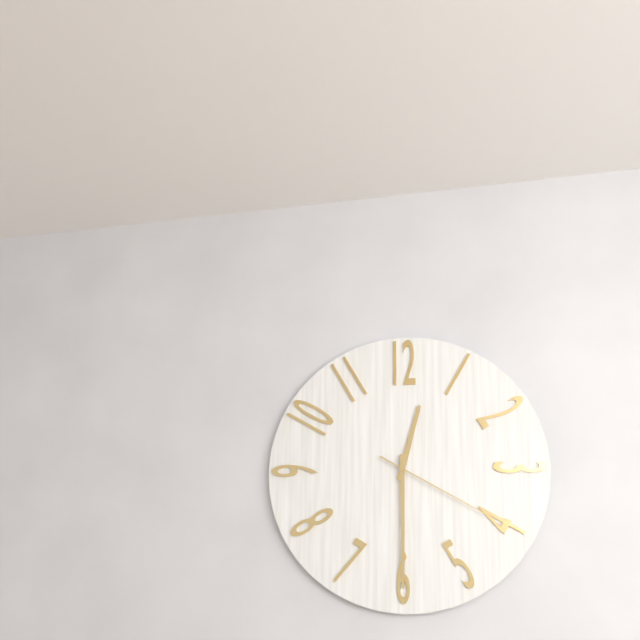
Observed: 12 h 30 min 20 s
